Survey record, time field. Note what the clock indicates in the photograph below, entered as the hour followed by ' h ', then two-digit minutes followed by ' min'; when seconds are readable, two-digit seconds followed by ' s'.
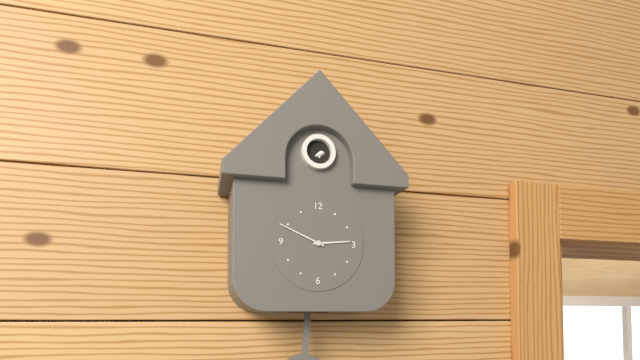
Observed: 2 h 49 min
